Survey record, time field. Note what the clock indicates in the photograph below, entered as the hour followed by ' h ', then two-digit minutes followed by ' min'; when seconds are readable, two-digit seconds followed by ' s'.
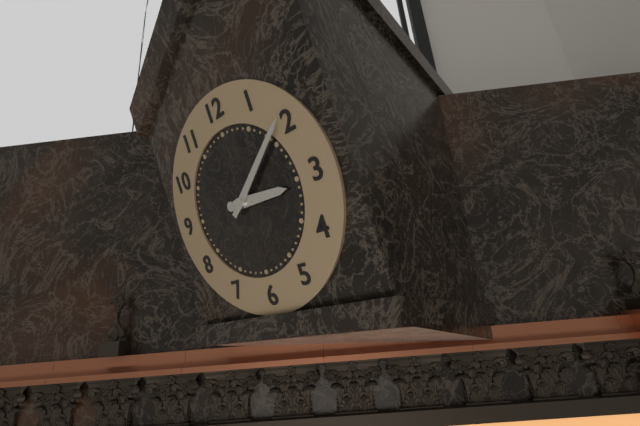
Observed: 3 h 09 min
